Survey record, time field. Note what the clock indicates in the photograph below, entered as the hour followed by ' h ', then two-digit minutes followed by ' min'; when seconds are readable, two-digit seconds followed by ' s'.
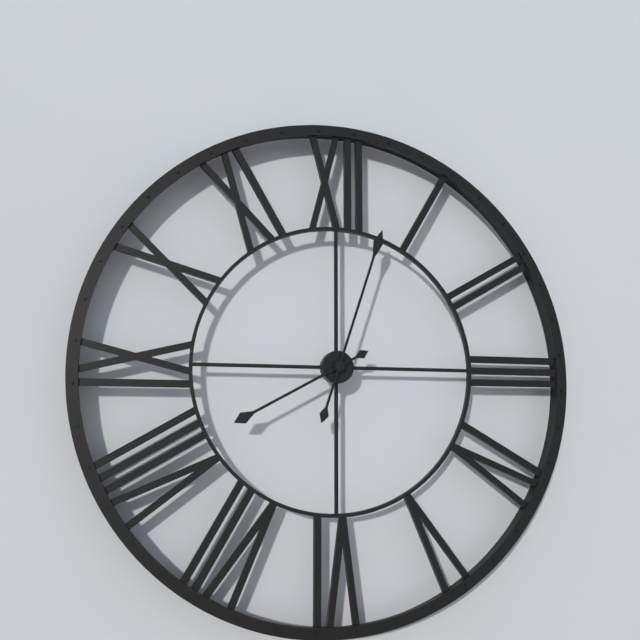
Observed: 8 h 03 min
